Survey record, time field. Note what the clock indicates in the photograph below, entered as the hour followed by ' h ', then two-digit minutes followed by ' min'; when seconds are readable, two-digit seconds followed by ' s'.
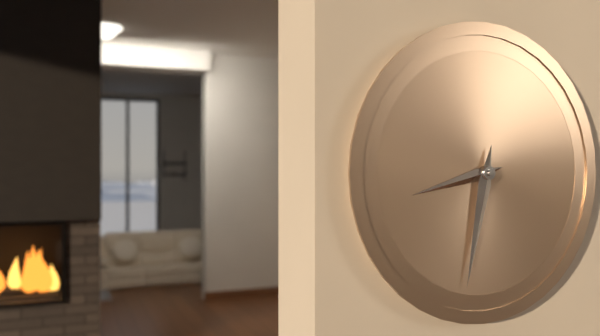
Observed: 8 h 32 min
